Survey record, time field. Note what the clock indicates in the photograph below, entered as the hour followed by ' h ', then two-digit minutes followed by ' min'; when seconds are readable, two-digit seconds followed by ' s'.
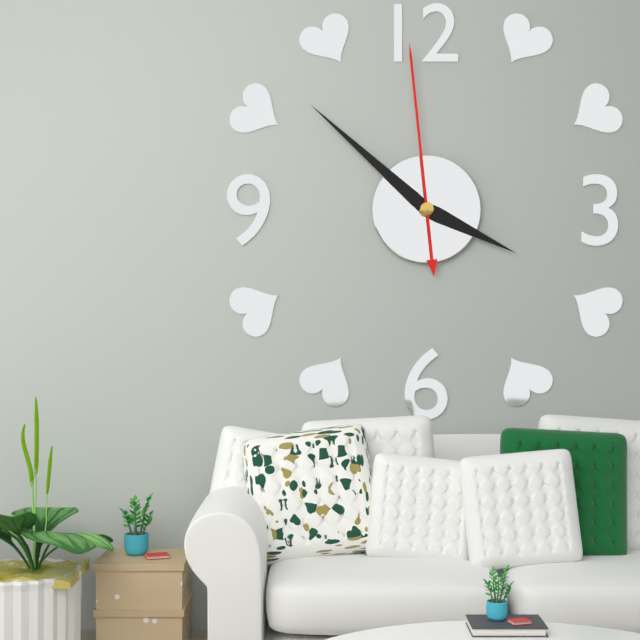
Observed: 3 h 52 min 59 s
